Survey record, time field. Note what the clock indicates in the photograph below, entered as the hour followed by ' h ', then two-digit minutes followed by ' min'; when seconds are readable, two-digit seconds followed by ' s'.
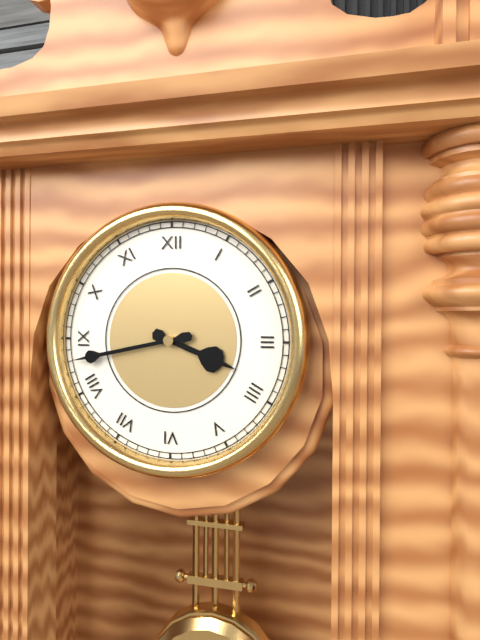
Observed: 3 h 43 min
